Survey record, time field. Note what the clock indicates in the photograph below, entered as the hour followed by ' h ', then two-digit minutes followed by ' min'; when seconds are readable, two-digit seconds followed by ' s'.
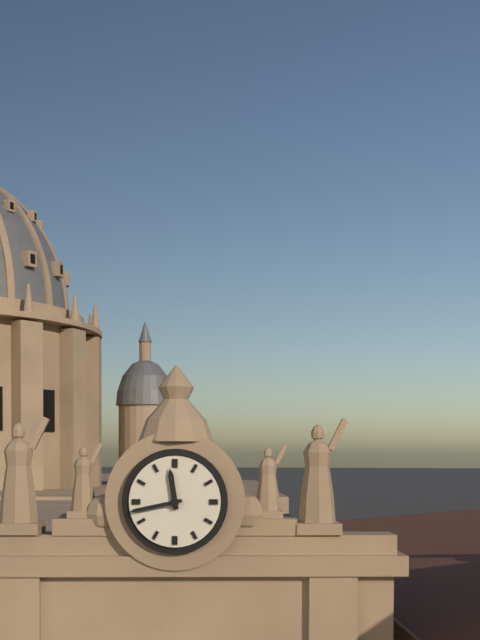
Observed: 11 h 43 min
